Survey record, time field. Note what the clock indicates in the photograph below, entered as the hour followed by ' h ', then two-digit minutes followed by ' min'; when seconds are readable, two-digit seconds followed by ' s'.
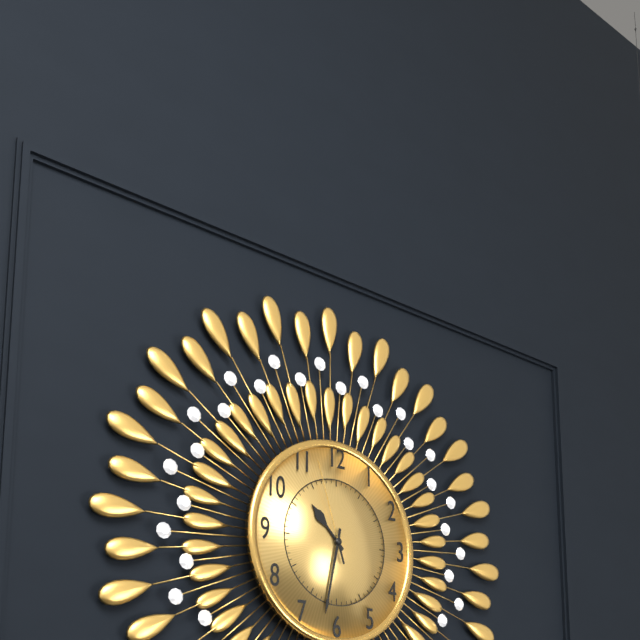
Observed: 10 h 32 min 57 s
